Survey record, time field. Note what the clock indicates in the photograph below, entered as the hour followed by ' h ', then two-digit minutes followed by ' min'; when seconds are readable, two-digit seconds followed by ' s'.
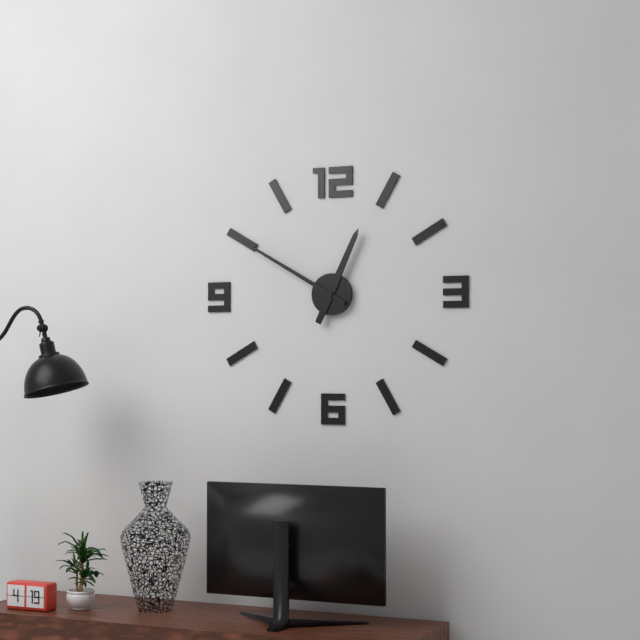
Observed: 12 h 50 min
